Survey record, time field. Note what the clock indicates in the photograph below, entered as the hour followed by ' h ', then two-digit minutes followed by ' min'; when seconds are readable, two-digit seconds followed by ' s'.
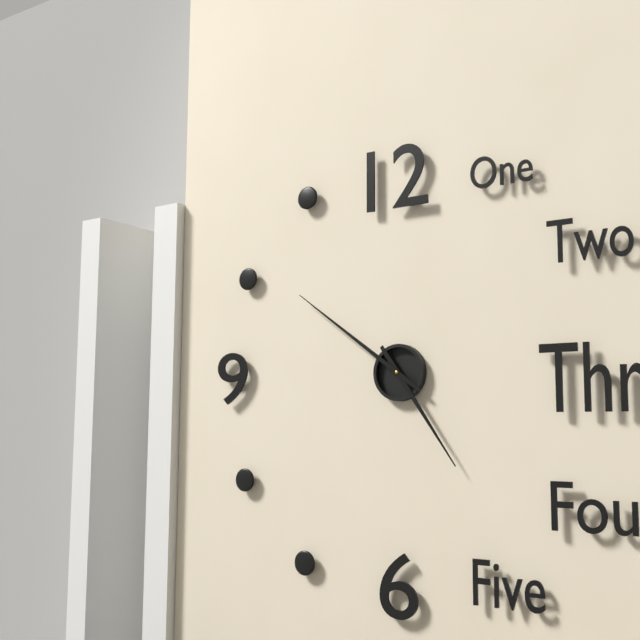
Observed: 4 h 51 min
